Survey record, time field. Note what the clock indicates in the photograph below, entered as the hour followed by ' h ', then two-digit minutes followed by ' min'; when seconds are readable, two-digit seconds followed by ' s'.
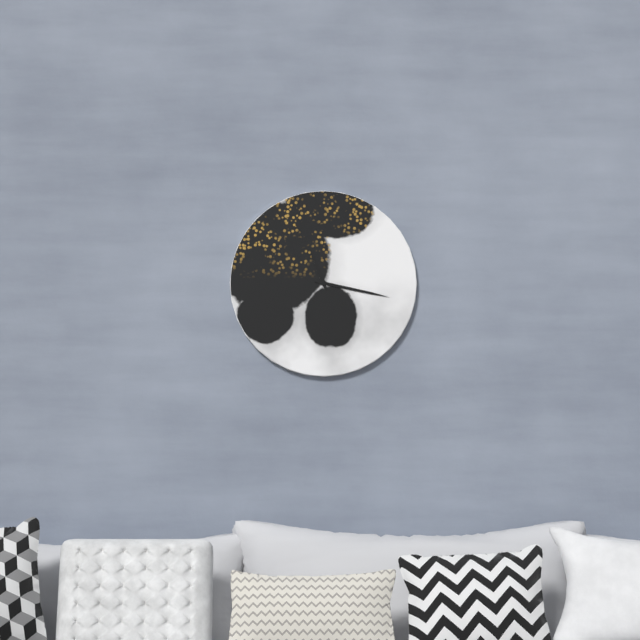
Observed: 11 h 17 min
